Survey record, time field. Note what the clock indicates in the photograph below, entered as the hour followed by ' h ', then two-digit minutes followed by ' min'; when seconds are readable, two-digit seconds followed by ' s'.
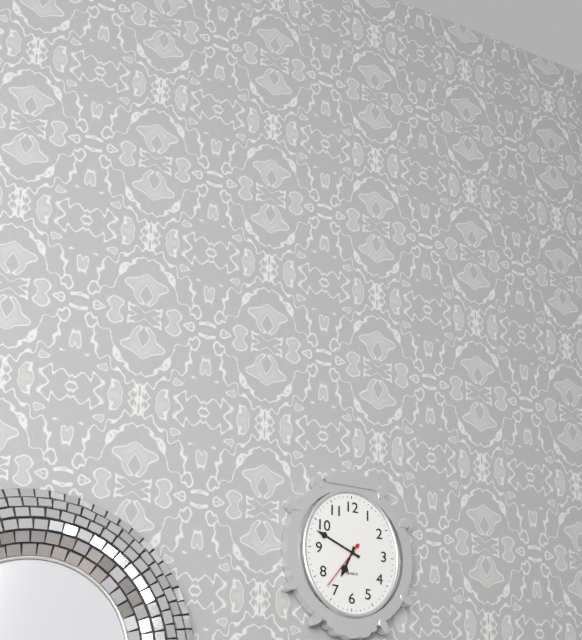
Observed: 6 h 49 min 36 s
